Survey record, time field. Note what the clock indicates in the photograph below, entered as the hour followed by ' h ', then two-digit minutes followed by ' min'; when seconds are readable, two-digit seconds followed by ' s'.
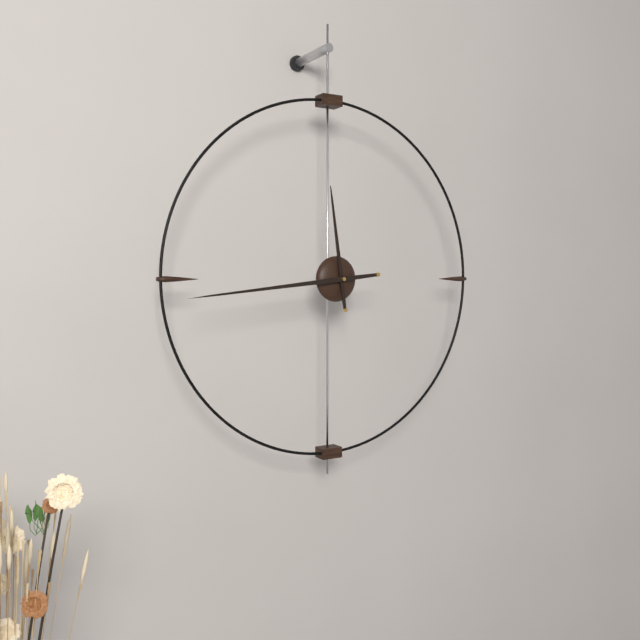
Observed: 11 h 44 min
